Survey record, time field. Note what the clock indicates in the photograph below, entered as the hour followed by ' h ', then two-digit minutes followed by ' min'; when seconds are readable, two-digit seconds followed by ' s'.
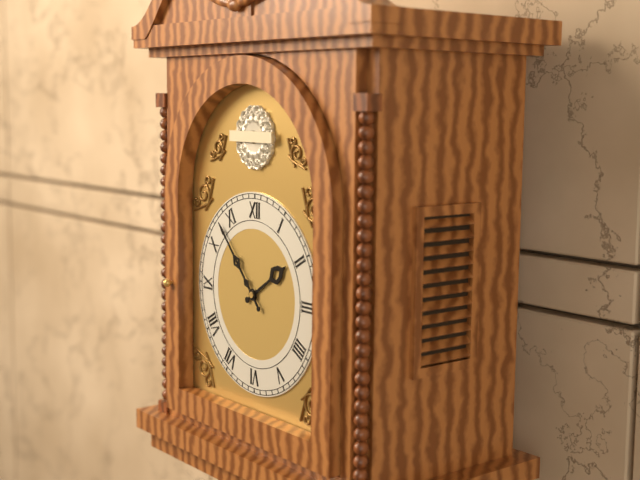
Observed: 1 h 53 min
